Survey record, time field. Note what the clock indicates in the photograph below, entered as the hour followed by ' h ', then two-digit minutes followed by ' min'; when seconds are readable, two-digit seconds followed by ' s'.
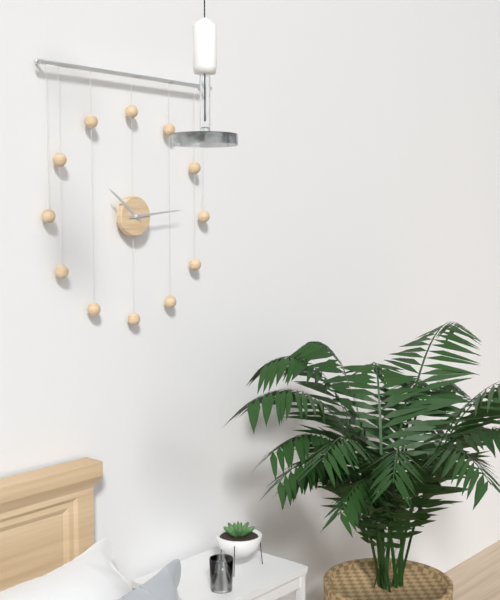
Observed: 10 h 14 min
